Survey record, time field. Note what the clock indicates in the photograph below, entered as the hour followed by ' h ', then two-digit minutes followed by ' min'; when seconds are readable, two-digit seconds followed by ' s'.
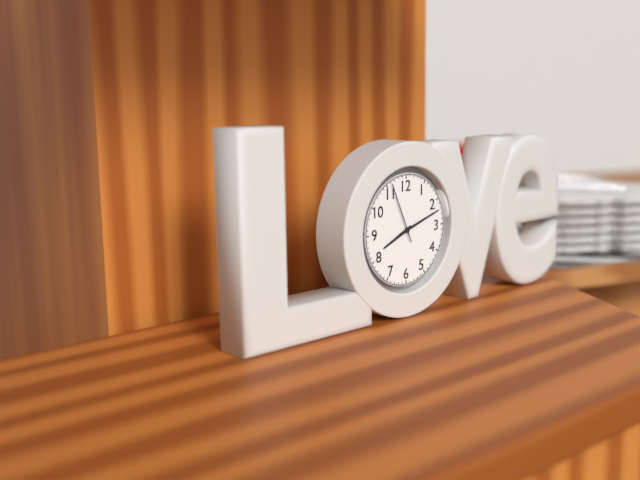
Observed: 8 h 12 min 56 s
